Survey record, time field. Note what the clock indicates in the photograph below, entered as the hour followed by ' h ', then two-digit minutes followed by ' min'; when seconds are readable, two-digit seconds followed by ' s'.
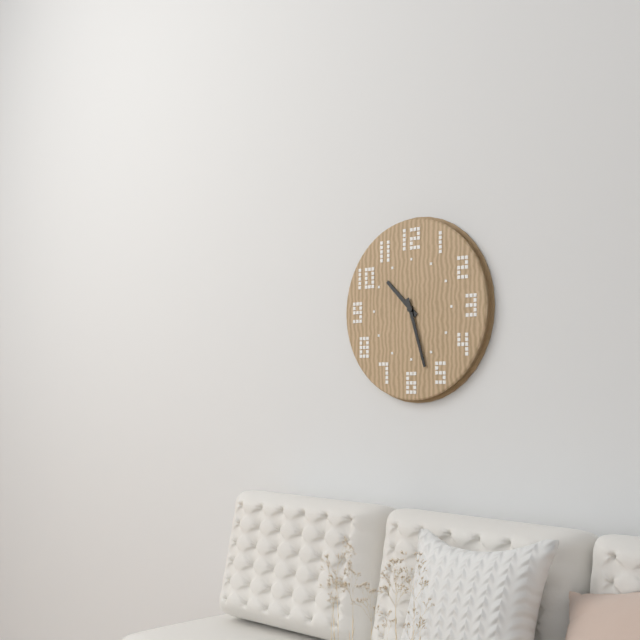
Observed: 10 h 27 min
